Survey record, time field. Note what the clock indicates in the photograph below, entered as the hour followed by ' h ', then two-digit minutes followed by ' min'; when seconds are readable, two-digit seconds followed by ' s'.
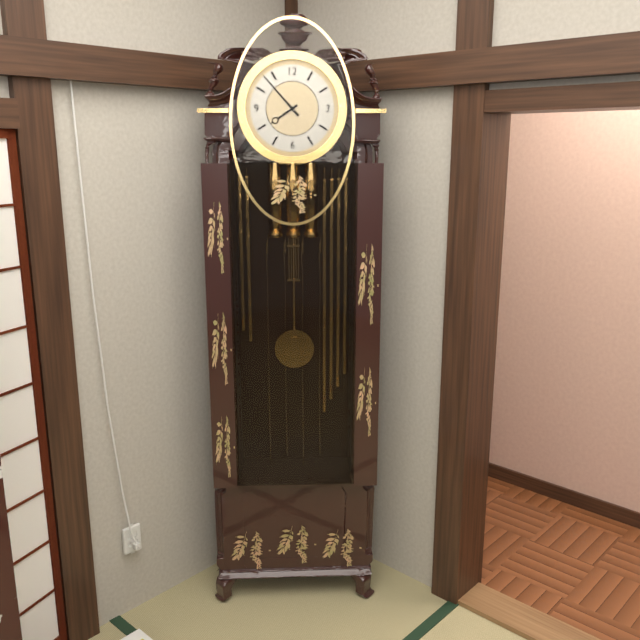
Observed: 7 h 53 min
